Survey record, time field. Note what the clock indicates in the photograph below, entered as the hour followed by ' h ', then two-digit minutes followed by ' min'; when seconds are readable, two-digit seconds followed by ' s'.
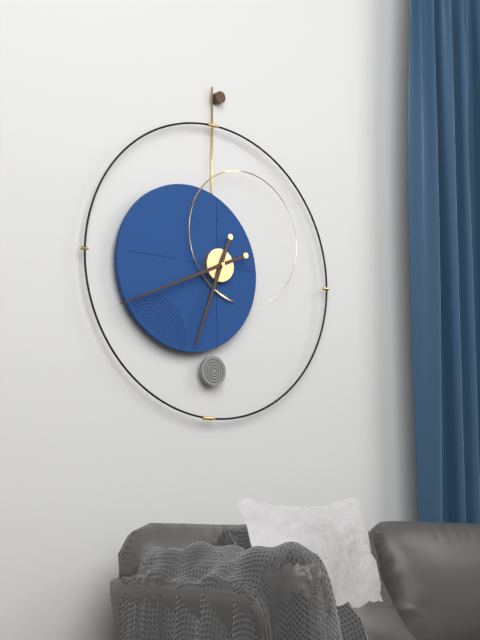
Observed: 6 h 41 min
